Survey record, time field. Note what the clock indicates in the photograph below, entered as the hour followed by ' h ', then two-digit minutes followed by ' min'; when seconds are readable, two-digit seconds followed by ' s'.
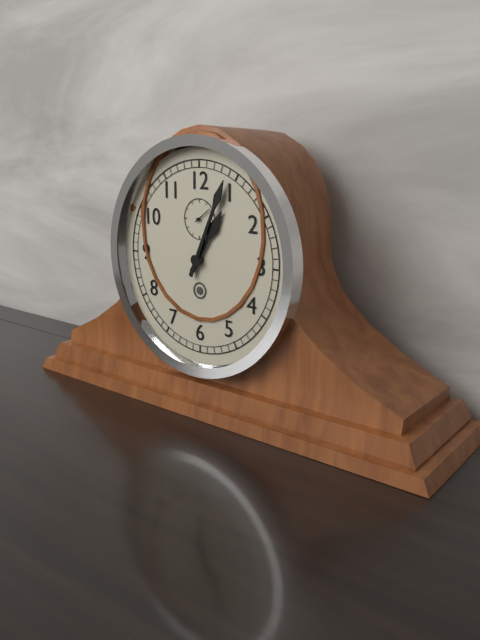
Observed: 1 h 04 min
